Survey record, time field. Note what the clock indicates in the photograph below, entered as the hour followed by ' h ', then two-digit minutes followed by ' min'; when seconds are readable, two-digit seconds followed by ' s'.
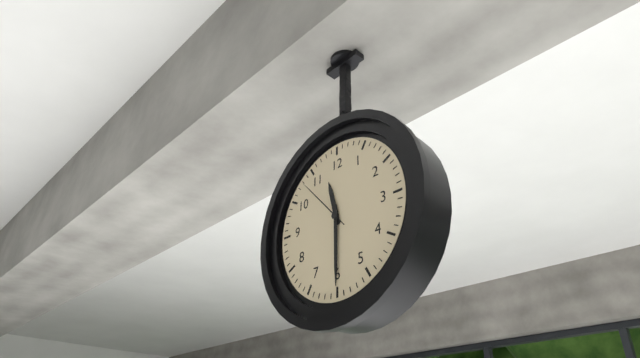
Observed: 11 h 30 min 53 s
